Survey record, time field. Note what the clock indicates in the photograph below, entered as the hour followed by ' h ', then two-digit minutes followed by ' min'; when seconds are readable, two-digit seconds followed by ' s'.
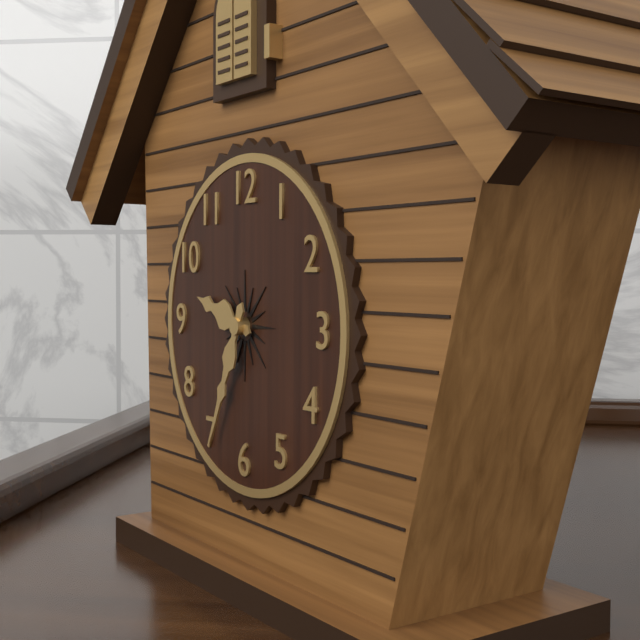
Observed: 9 h 34 min
